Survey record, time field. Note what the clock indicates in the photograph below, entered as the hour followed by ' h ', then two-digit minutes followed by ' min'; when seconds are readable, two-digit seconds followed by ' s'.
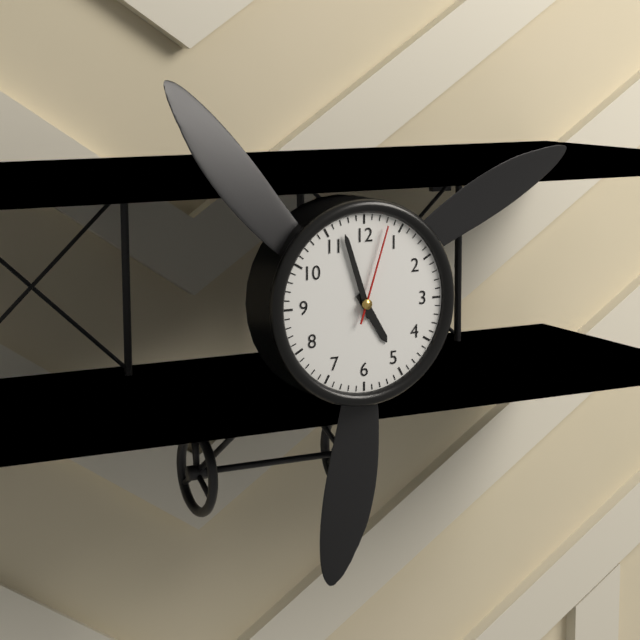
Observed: 4 h 57 min 03 s
